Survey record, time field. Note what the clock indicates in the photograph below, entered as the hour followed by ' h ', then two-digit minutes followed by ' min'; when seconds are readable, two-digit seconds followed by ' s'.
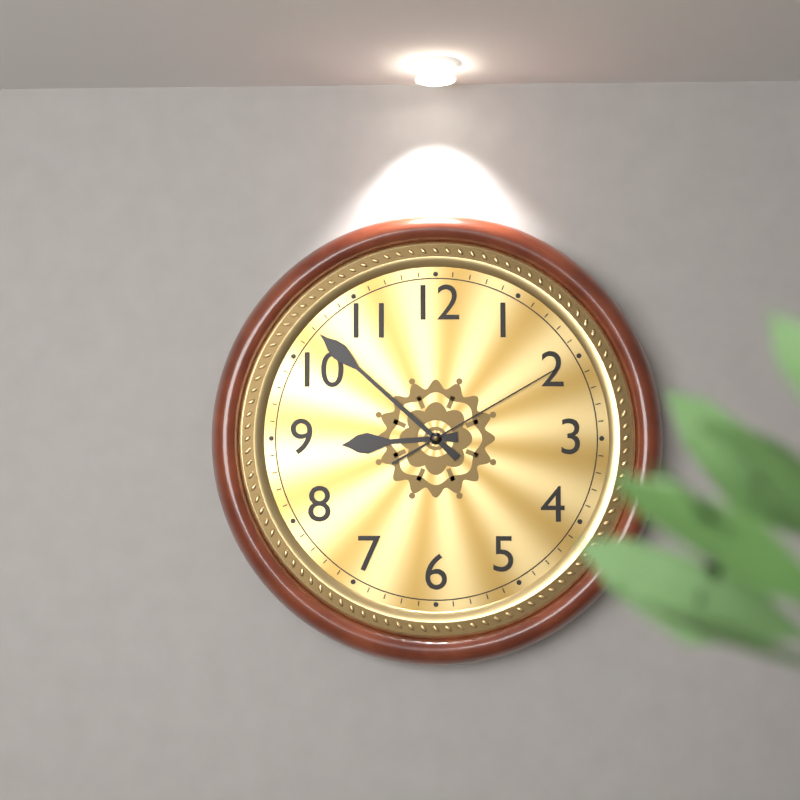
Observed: 8 h 52 min 10 s
